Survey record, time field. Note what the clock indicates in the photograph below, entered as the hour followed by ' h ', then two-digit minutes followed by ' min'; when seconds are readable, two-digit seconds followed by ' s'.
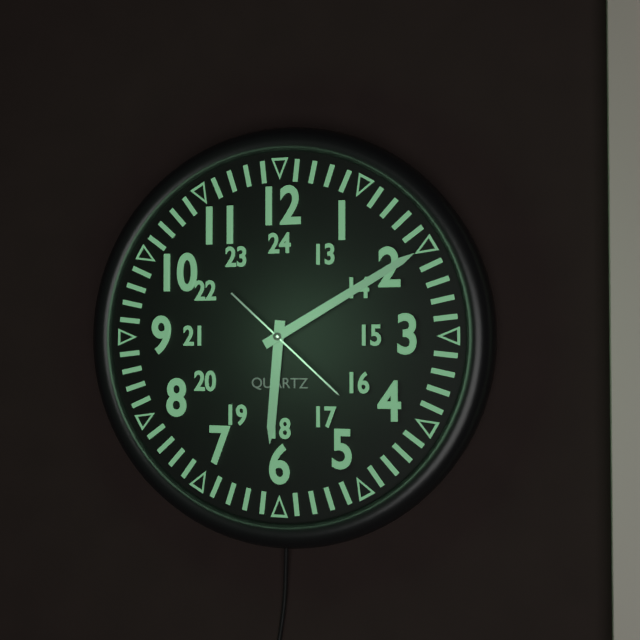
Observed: 6 h 10 min 22 s
